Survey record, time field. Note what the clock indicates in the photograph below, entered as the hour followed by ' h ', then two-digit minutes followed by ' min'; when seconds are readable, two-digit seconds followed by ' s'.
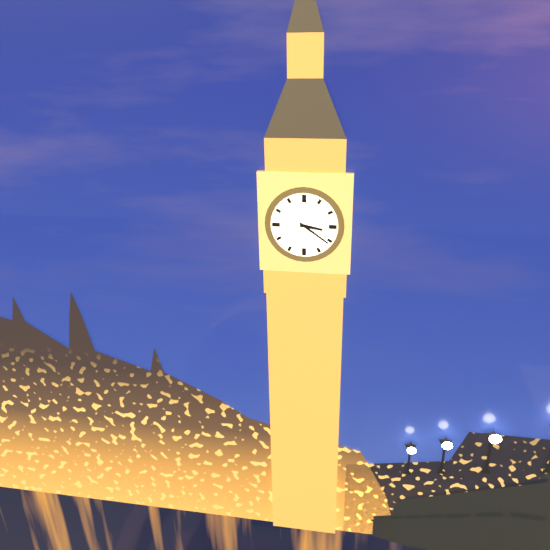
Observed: 3 h 21 min
